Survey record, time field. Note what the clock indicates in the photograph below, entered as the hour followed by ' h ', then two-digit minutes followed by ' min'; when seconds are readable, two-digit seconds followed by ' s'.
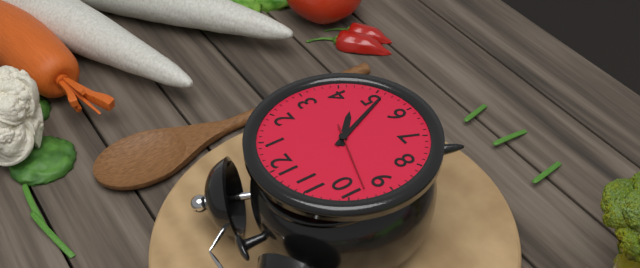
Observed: 4 h 26 min 48 s
